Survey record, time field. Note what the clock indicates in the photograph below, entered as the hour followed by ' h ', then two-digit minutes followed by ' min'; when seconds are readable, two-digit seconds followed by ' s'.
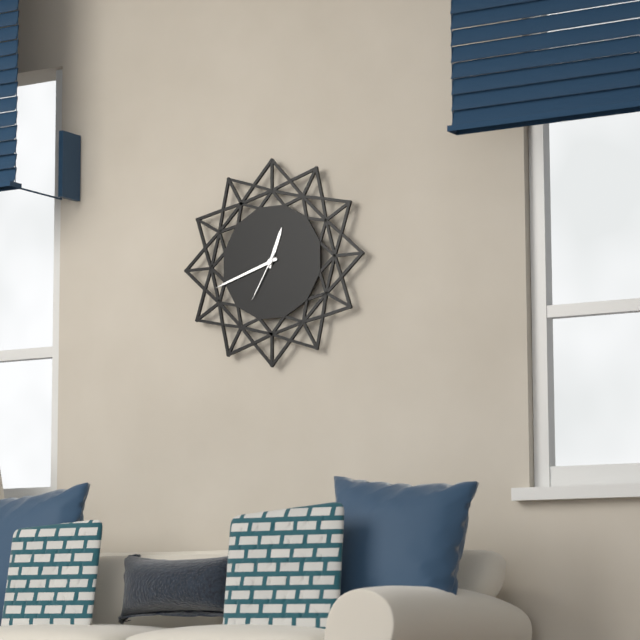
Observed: 12 h 42 min 35 s
